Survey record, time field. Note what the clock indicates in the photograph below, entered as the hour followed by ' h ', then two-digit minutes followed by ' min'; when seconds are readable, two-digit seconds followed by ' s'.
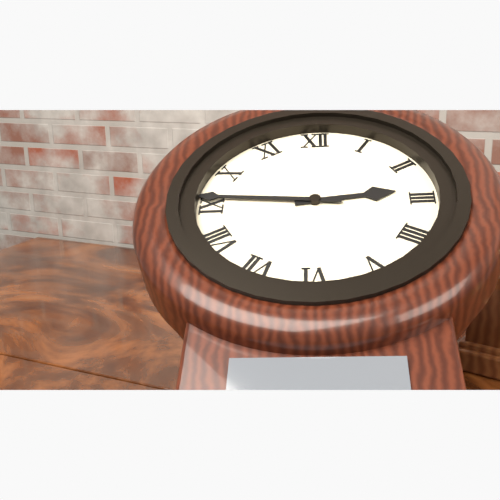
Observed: 2 h 46 min
